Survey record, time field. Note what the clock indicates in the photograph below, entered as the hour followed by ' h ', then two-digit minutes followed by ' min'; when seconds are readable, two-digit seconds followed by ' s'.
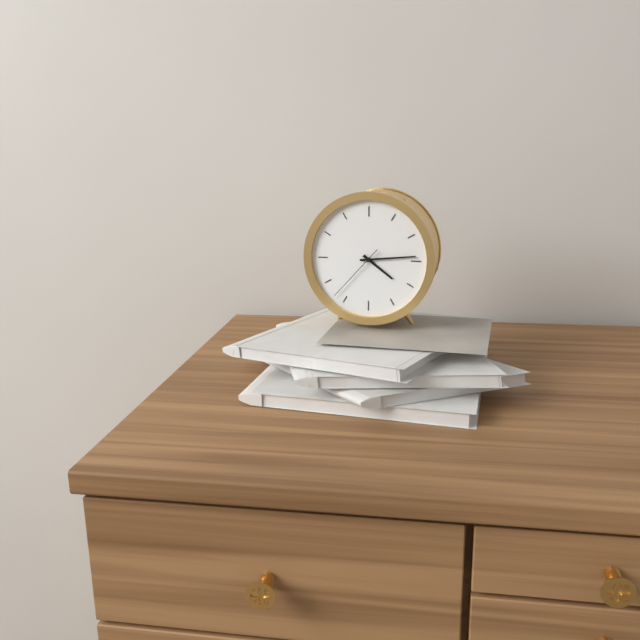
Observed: 4 h 14 min 37 s
